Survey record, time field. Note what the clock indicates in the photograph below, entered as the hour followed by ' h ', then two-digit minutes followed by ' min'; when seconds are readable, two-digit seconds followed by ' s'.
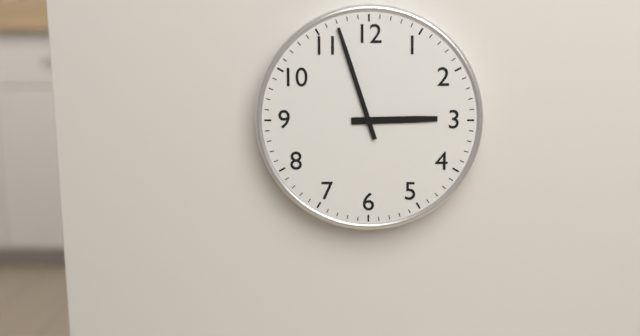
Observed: 2 h 57 min
